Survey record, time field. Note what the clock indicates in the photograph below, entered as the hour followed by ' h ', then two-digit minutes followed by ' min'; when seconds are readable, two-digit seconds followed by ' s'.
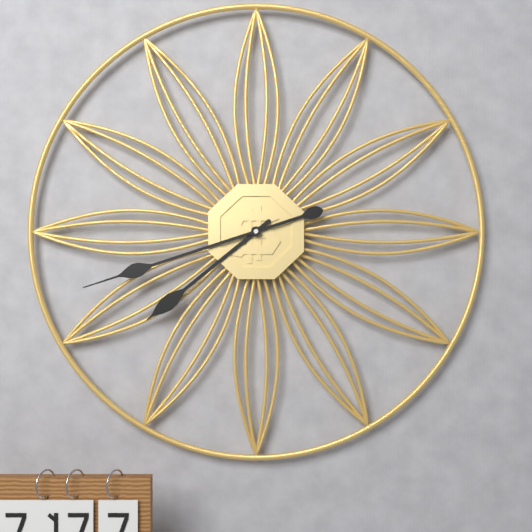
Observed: 7 h 42 min
